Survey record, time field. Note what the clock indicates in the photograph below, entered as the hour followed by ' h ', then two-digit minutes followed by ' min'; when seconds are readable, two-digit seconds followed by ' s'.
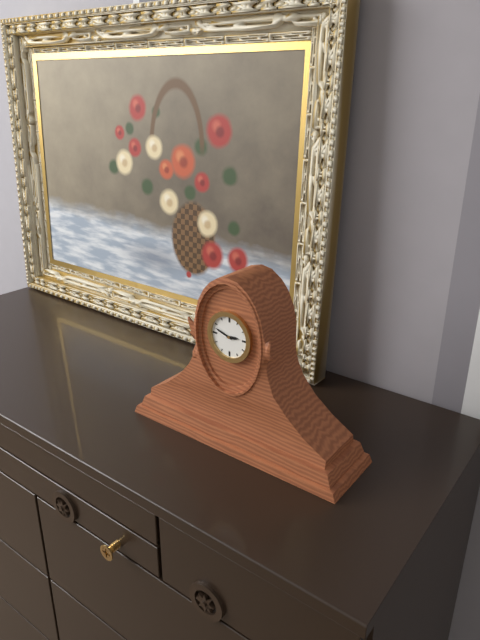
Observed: 2 h 48 min
